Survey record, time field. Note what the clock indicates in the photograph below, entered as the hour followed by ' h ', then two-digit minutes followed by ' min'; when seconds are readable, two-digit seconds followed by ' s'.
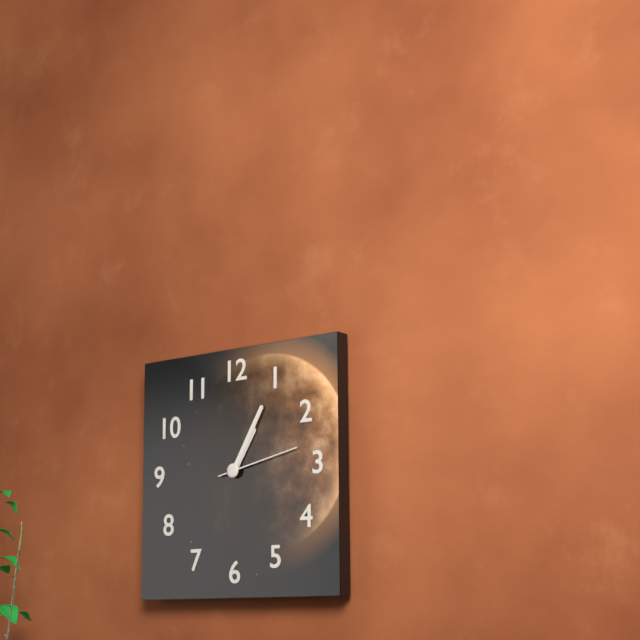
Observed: 1 h 05 min 13 s
